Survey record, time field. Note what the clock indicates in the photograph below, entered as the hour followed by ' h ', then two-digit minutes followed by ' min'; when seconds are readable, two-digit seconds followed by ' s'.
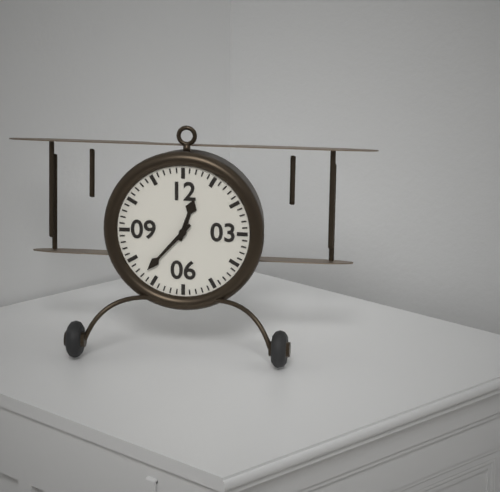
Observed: 12 h 37 min
